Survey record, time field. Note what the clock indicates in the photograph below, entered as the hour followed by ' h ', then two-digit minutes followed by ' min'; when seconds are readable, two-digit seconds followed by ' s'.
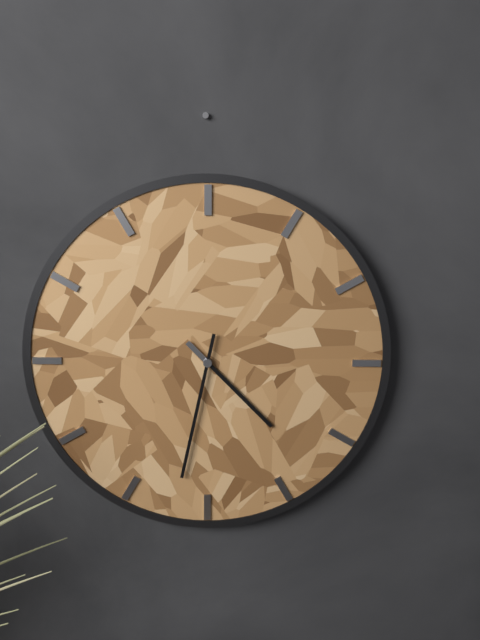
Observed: 4 h 32 min
